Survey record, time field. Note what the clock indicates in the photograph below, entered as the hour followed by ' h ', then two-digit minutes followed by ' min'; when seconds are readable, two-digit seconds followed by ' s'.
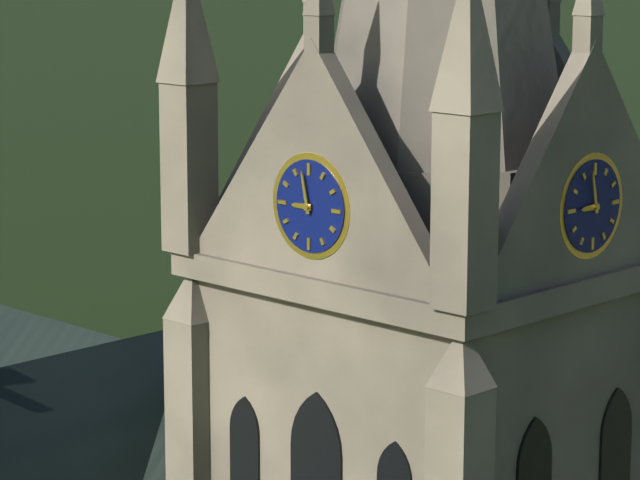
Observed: 8 h 58 min
